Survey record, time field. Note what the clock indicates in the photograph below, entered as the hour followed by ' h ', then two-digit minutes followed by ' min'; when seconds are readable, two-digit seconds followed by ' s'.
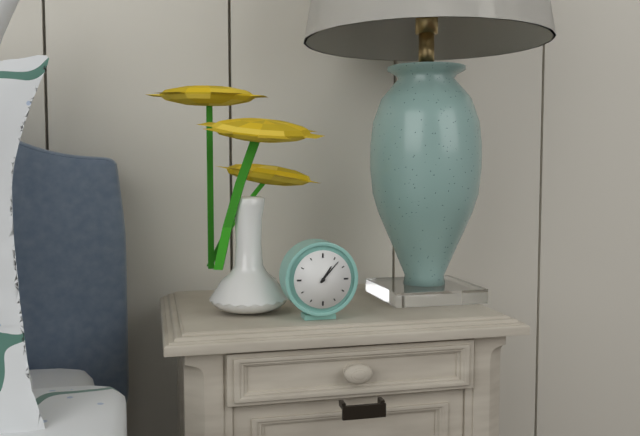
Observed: 1 h 07 min
